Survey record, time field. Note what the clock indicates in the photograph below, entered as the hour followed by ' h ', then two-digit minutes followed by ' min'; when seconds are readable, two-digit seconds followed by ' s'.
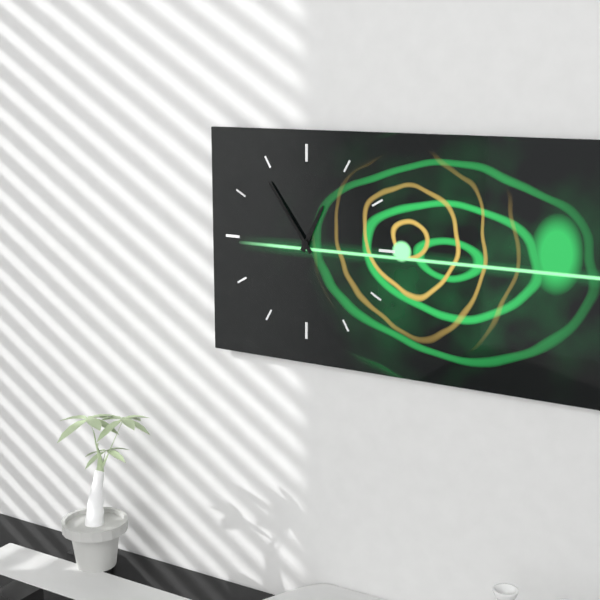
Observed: 12 h 54 min
